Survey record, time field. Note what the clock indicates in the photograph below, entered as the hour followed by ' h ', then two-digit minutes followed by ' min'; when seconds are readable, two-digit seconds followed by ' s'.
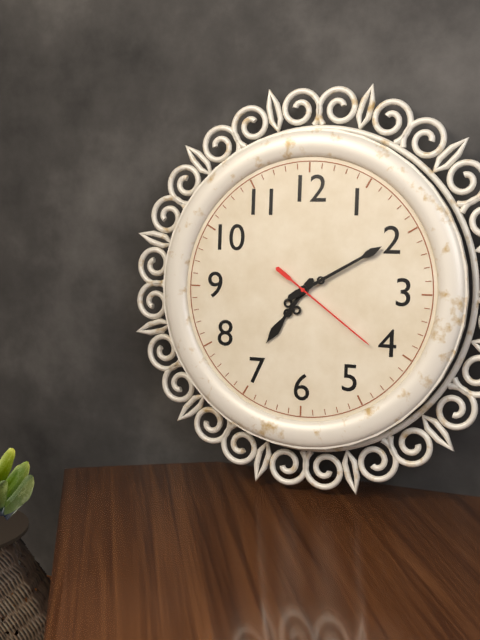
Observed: 7 h 10 min 21 s
